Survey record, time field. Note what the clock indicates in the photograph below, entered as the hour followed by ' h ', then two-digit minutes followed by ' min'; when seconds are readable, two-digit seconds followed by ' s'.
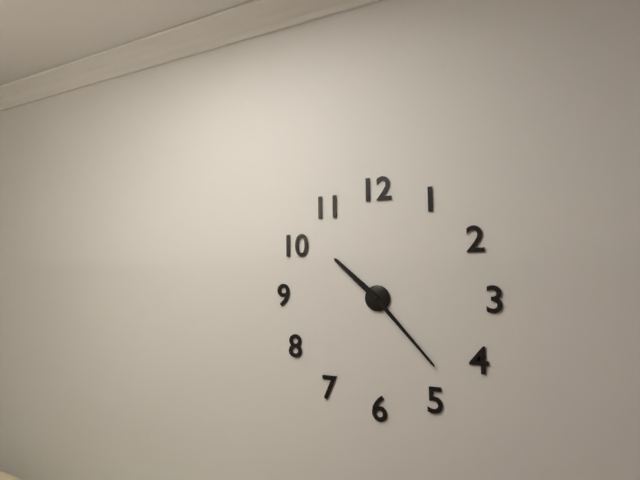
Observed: 10 h 23 min
